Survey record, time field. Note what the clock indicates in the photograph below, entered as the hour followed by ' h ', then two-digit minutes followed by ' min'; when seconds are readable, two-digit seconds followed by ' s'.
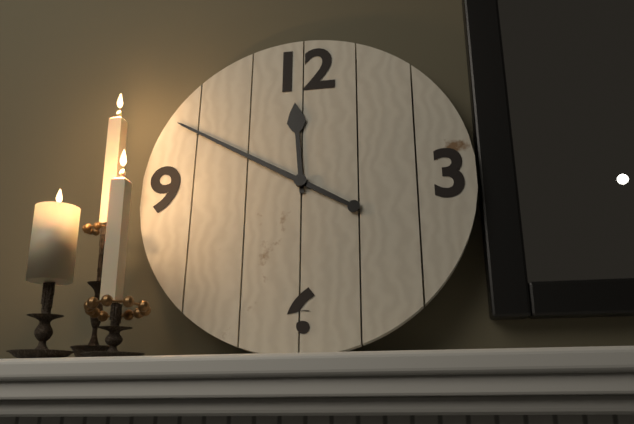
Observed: 11 h 50 min
